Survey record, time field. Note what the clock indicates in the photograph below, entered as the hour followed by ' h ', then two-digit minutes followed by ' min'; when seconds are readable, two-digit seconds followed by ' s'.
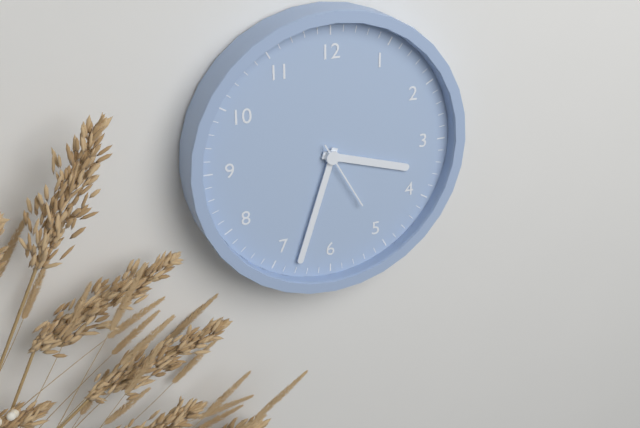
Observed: 3 h 33 min 25 s
